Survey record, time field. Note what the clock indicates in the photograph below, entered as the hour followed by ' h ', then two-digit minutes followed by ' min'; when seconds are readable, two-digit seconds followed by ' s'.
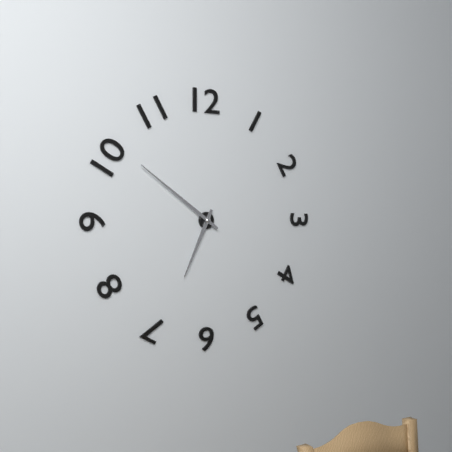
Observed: 6 h 51 min
